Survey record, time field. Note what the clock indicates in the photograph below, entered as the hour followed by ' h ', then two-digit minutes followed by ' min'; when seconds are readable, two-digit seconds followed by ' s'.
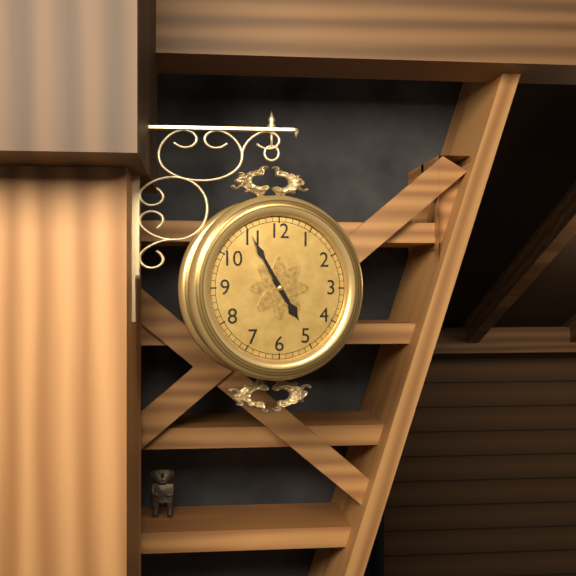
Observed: 4 h 55 min
